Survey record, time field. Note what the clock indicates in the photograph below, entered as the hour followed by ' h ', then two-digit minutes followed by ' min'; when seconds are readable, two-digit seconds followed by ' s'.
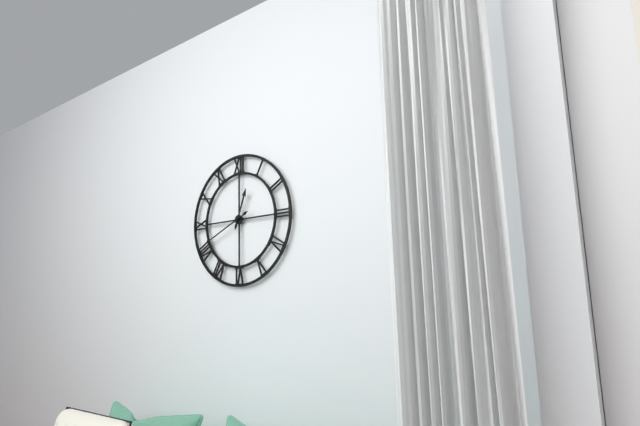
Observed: 12 h 41 min
